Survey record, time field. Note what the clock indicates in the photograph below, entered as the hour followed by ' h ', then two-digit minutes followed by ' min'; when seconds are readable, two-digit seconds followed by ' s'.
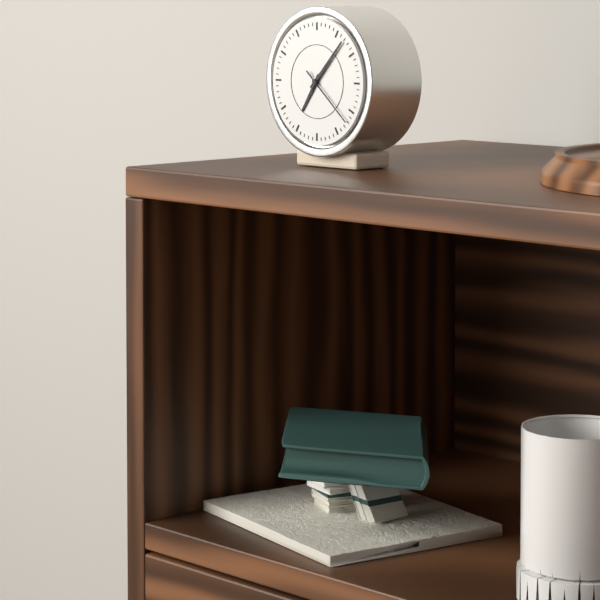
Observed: 7 h 07 min 22 s
